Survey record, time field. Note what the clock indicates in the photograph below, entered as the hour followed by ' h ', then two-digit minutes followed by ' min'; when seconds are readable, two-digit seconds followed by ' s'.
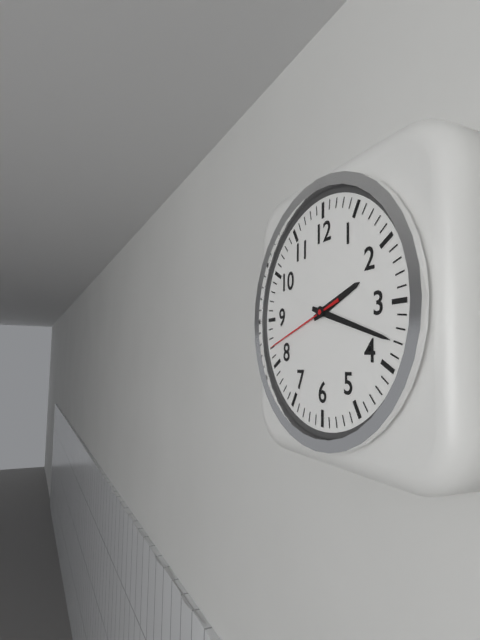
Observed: 2 h 18 min 42 s
